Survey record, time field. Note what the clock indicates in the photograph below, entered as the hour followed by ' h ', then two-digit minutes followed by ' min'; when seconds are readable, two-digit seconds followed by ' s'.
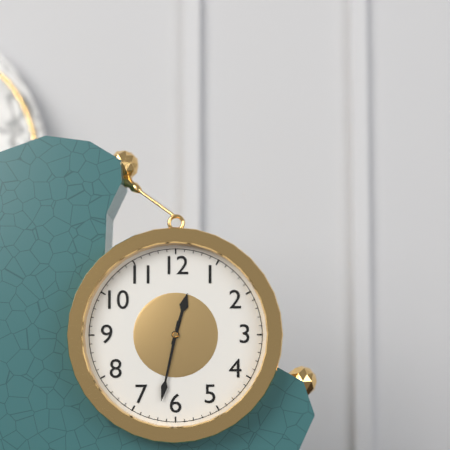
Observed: 12 h 32 min
